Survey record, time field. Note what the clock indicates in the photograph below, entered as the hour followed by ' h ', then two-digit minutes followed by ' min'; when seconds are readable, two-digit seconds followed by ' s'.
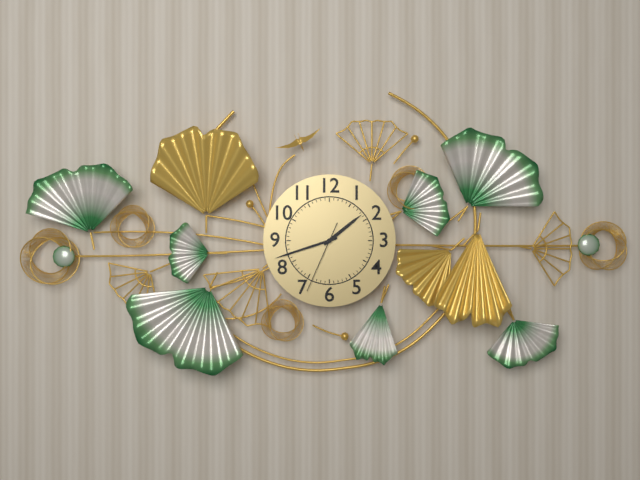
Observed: 1 h 42 min 34 s
